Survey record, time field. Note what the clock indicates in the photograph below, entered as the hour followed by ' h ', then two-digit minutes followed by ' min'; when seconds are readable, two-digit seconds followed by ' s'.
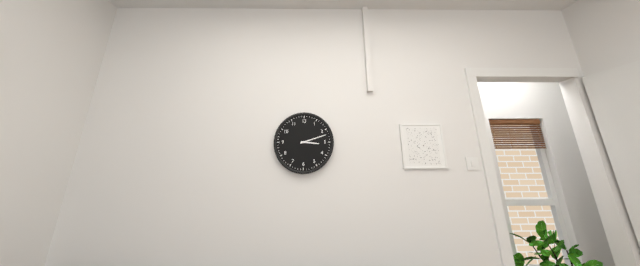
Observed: 3 h 12 min
